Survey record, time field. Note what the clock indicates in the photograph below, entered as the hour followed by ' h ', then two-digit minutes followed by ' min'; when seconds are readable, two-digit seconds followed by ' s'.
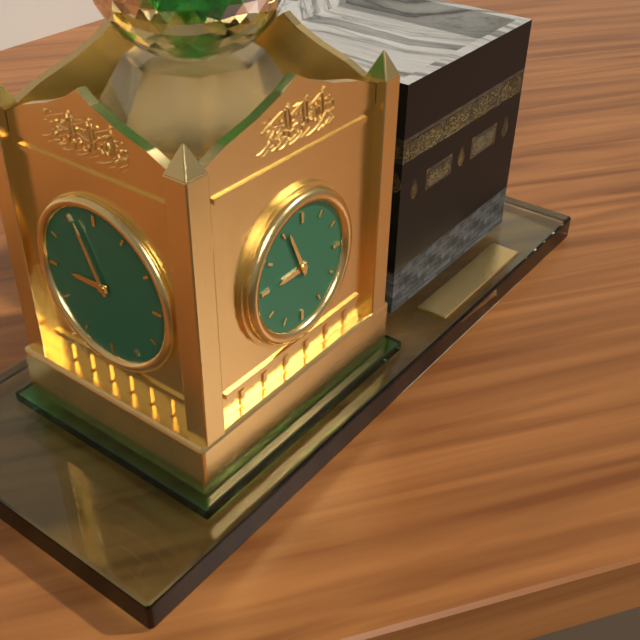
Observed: 8 h 56 min
